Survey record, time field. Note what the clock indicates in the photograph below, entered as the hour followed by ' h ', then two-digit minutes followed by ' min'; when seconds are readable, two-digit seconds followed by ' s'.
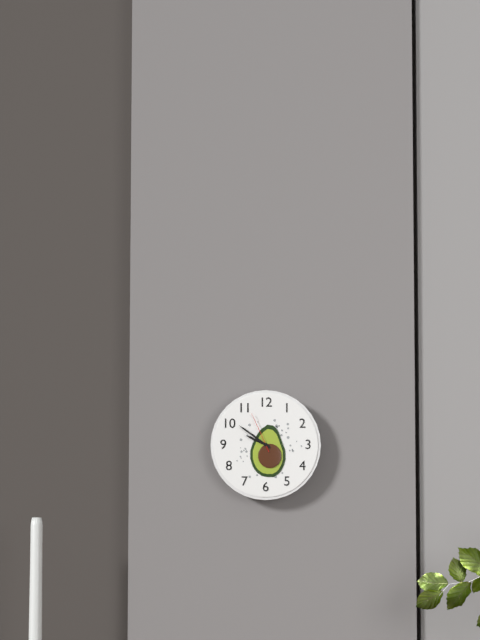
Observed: 9 h 51 min
